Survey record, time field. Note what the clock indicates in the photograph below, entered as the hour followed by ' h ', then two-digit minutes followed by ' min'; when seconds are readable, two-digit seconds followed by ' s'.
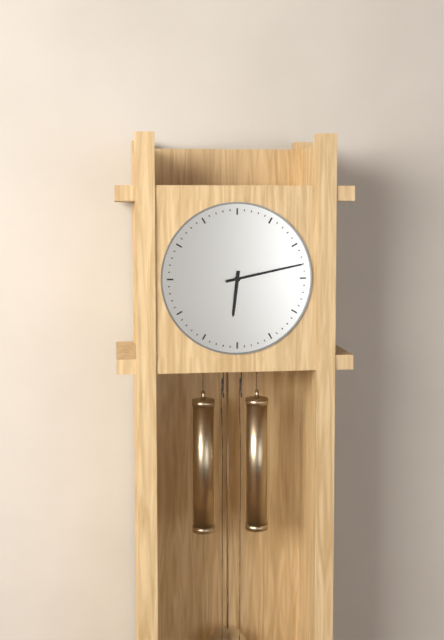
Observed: 6 h 13 min
